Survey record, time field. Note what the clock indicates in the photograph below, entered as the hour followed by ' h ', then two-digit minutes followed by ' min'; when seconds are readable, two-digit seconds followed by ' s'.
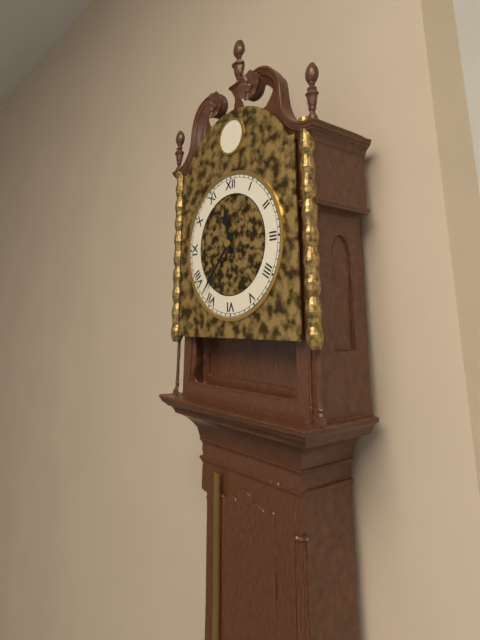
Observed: 11 h 37 min
